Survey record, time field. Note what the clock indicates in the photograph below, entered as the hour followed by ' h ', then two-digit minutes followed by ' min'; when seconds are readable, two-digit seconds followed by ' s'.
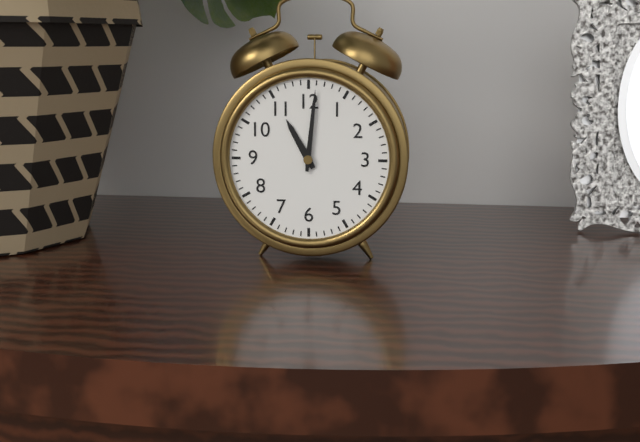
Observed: 11 h 01 min
